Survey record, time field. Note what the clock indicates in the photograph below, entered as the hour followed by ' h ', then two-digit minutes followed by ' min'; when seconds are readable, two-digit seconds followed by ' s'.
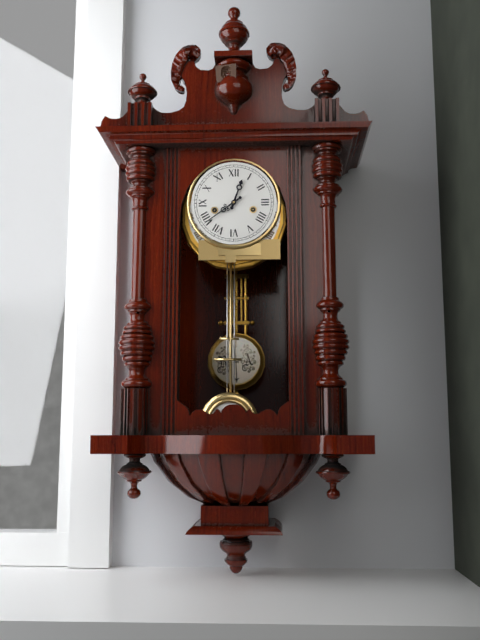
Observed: 12 h 39 min
